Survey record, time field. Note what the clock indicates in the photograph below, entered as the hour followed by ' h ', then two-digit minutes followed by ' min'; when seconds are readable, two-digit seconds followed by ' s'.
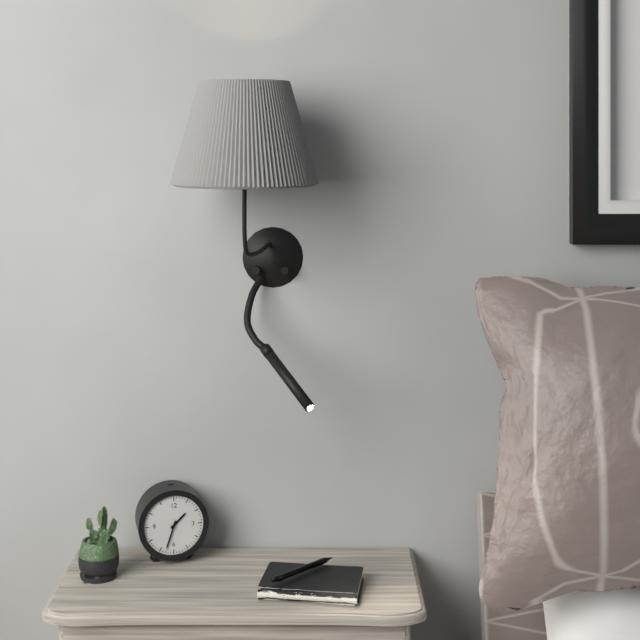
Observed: 1 h 33 min
